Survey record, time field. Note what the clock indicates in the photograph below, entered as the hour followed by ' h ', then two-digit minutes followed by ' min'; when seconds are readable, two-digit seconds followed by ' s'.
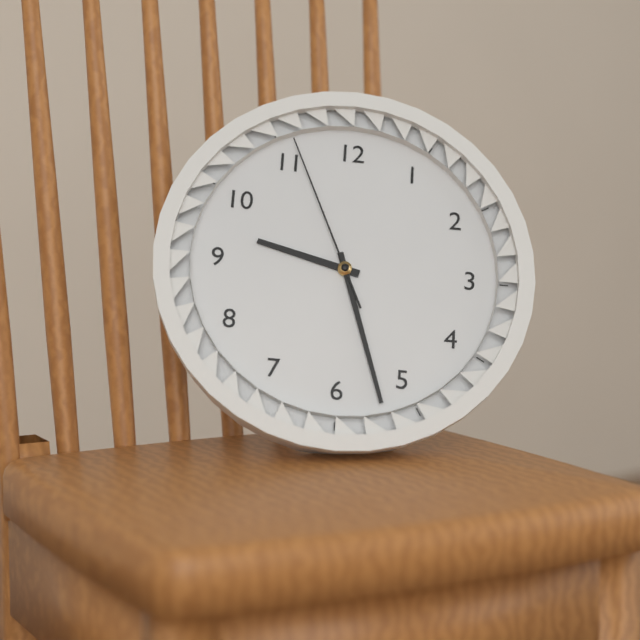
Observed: 9 h 27 min 56 s
